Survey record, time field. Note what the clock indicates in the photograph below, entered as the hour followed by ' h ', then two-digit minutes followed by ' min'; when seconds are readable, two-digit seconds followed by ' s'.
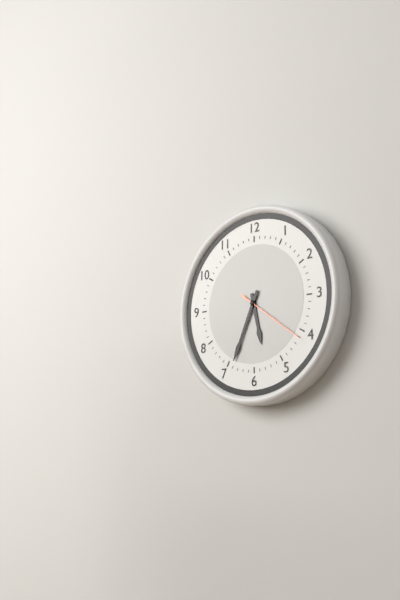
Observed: 5 h 34 min 21 s
